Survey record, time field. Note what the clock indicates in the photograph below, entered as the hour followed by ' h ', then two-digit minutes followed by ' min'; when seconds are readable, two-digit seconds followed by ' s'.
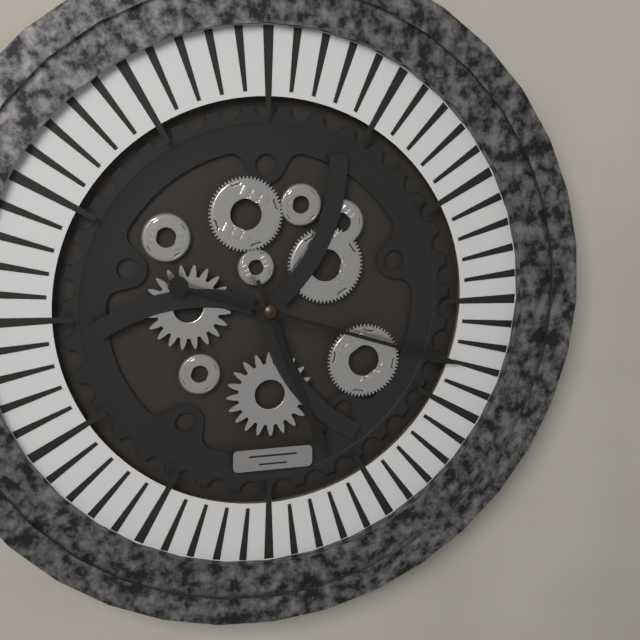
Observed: 5 h 18 min
